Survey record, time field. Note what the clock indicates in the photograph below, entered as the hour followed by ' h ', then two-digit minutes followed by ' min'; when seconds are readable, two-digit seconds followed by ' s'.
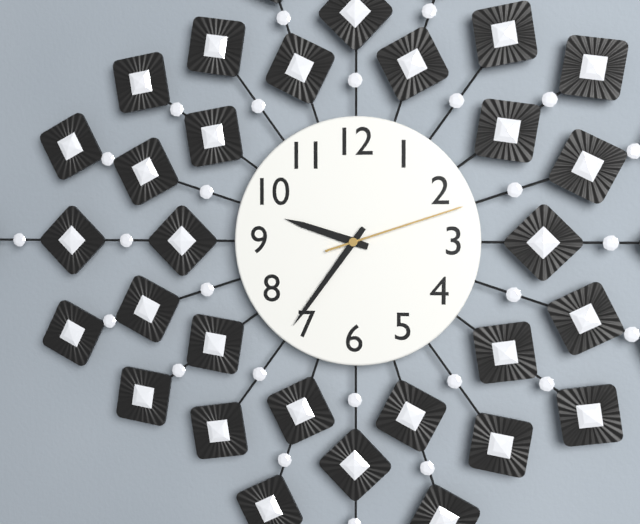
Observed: 9 h 36 min 12 s
